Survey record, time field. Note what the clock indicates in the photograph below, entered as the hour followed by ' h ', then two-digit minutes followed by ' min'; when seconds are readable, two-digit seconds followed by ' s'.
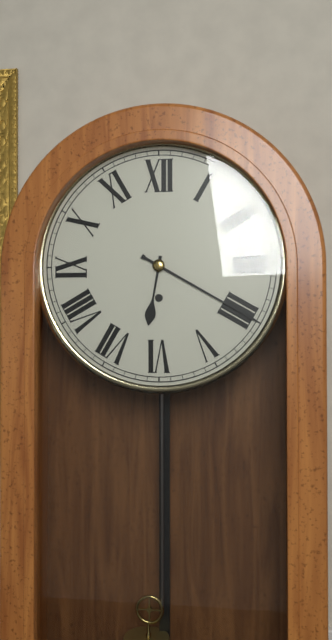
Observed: 6 h 20 min
